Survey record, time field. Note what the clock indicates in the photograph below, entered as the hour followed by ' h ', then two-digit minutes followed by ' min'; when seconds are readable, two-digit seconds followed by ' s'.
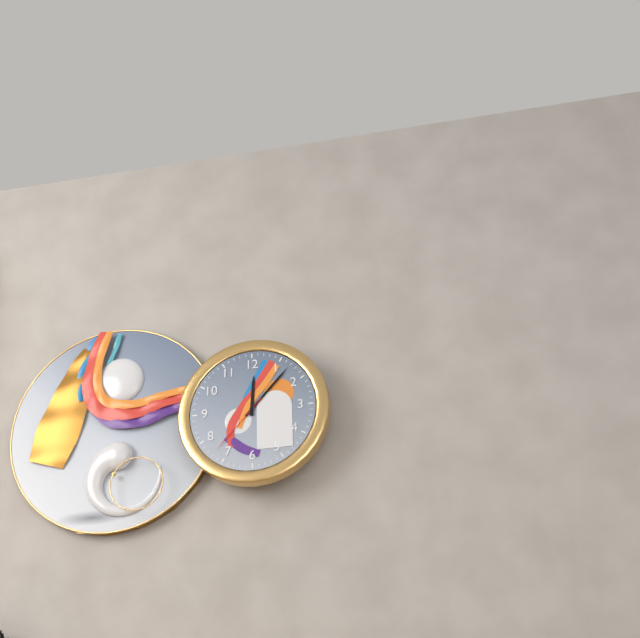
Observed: 12 h 07 min 37 s
